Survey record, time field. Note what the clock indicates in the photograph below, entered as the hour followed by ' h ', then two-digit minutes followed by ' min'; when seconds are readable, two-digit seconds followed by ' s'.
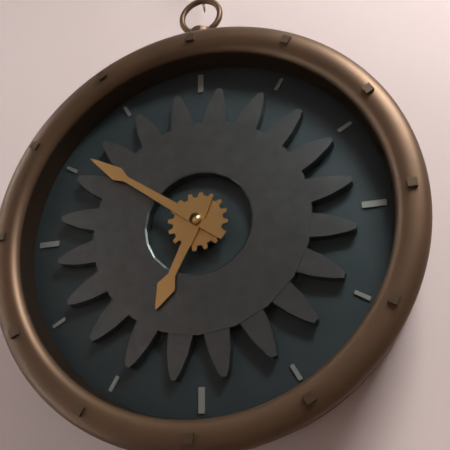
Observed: 6 h 51 min
